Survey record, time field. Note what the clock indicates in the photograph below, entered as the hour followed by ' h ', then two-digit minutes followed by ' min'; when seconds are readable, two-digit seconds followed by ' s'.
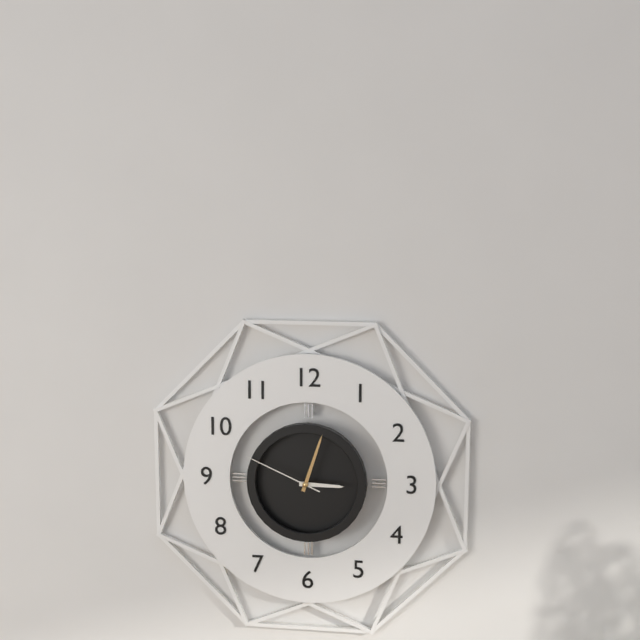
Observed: 3 h 03 min 49 s
